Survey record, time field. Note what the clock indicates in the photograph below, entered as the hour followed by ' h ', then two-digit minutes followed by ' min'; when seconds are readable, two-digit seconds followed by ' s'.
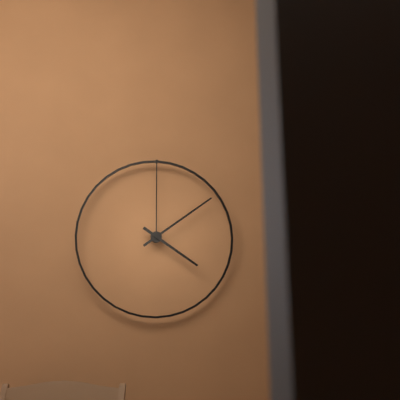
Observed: 4 h 09 min
